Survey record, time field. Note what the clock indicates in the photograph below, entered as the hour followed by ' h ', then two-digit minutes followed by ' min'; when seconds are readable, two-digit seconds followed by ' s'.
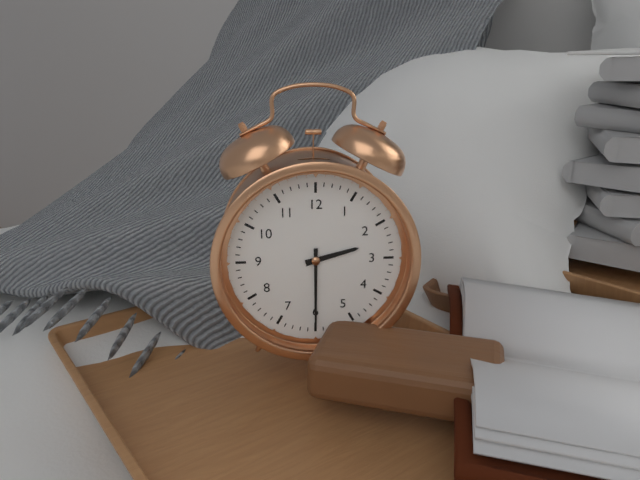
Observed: 2 h 30 min
